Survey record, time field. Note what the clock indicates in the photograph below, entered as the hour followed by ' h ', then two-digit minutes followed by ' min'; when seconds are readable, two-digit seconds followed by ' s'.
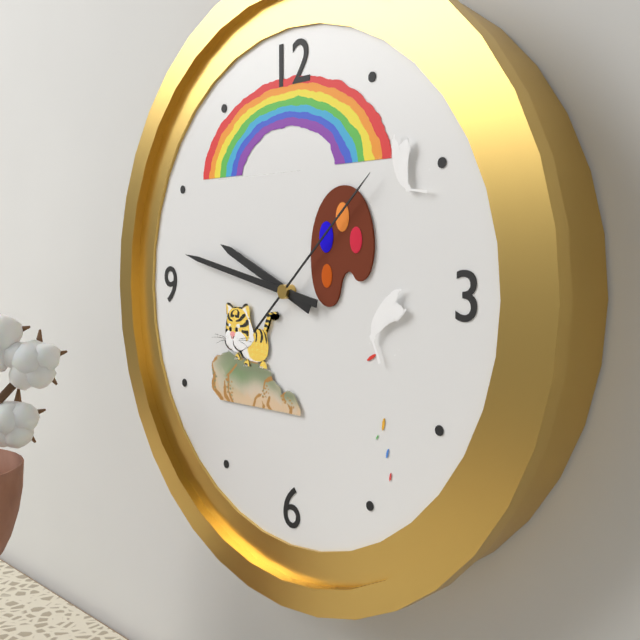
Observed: 9 h 47 min 08 s
